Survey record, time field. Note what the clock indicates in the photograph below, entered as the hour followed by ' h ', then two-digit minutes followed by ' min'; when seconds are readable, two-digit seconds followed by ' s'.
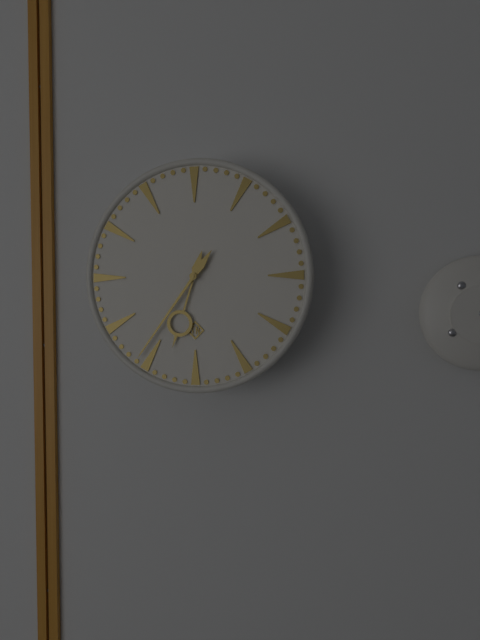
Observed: 6 h 36 min
